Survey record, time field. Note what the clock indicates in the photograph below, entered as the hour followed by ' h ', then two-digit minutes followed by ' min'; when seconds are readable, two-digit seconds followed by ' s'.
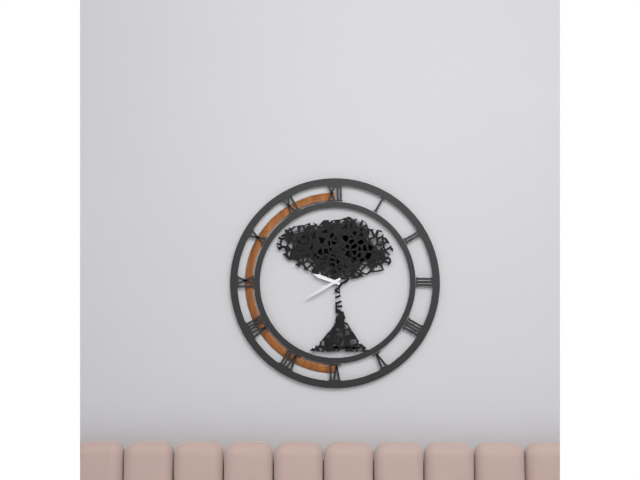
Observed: 9 h 40 min
